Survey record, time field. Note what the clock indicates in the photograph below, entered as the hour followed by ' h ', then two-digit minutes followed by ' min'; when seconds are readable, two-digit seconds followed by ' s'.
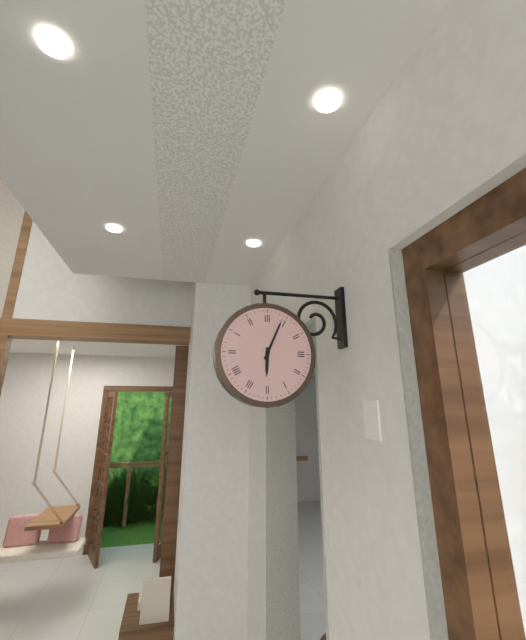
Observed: 6 h 04 min
